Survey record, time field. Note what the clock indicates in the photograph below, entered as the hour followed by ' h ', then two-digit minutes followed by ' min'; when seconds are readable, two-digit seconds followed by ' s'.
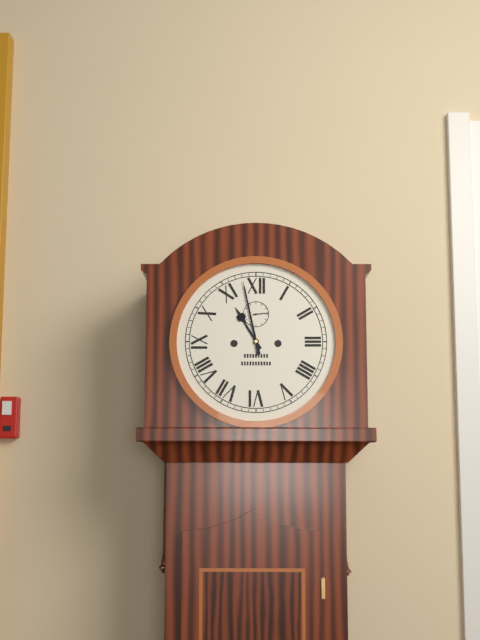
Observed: 10 h 58 min
